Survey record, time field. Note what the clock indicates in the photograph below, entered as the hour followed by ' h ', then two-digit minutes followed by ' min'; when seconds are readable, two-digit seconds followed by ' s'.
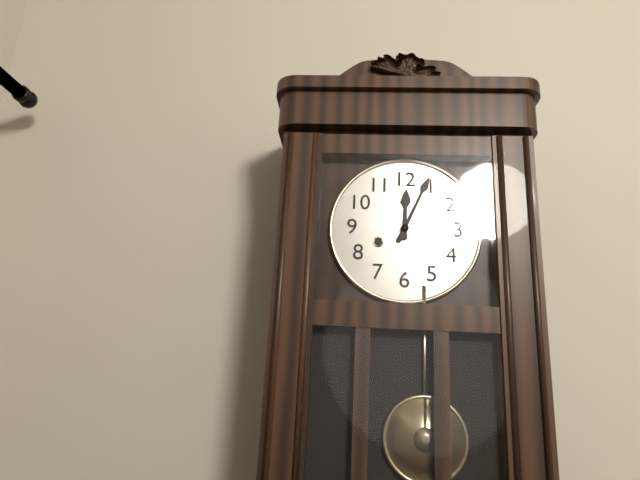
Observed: 12 h 04 min
